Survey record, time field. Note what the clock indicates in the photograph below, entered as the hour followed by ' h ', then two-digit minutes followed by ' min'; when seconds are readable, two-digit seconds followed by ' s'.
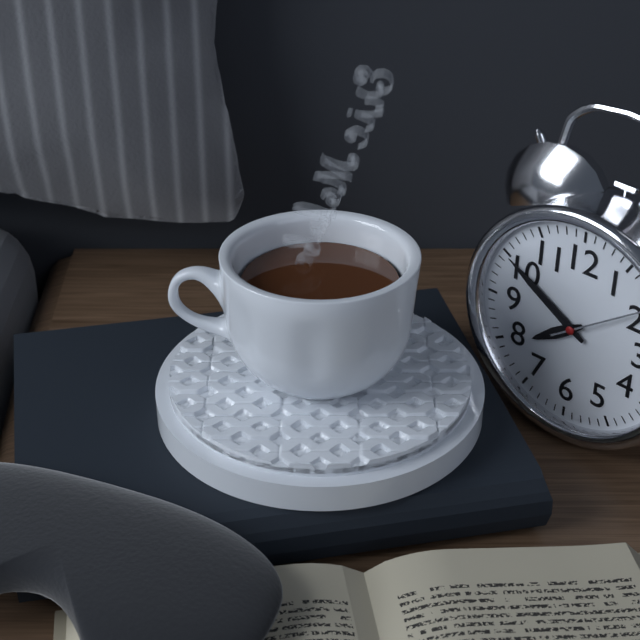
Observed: 7 h 50 min
